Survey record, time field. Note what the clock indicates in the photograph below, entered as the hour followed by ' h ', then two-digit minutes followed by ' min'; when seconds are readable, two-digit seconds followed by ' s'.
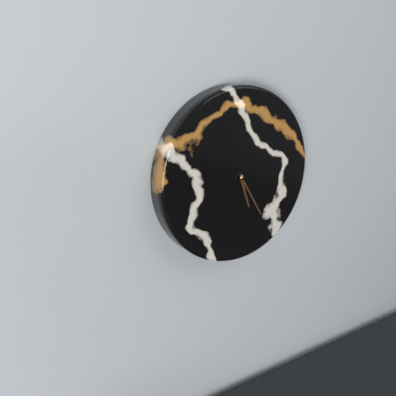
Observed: 5 h 25 min
